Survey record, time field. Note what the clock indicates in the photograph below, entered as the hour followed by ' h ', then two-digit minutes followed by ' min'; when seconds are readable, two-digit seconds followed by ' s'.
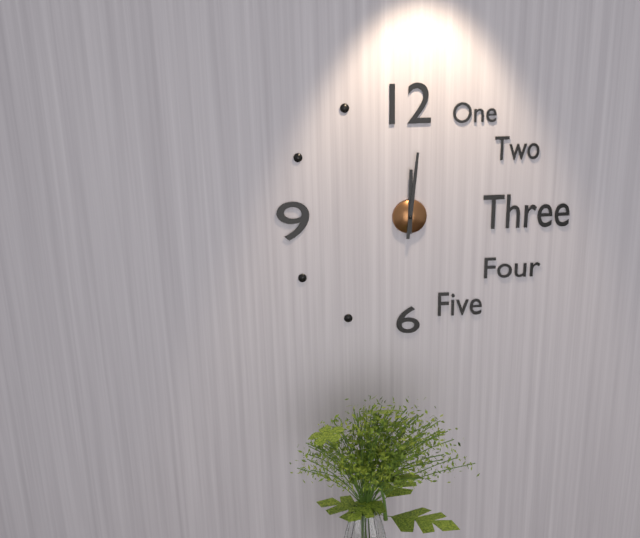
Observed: 12 h 01 min
